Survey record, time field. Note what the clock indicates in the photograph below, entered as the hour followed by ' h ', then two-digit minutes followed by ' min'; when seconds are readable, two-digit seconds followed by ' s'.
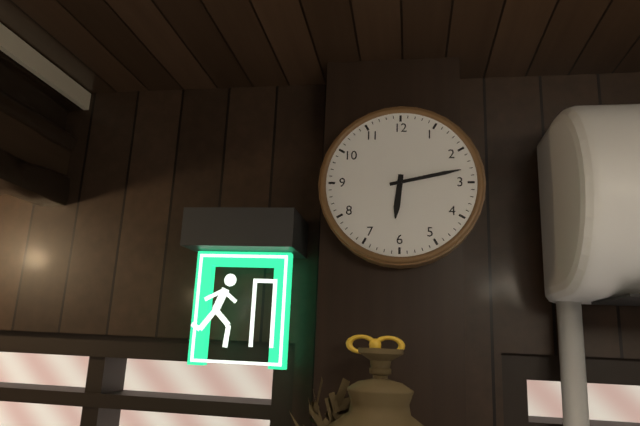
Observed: 6 h 13 min
